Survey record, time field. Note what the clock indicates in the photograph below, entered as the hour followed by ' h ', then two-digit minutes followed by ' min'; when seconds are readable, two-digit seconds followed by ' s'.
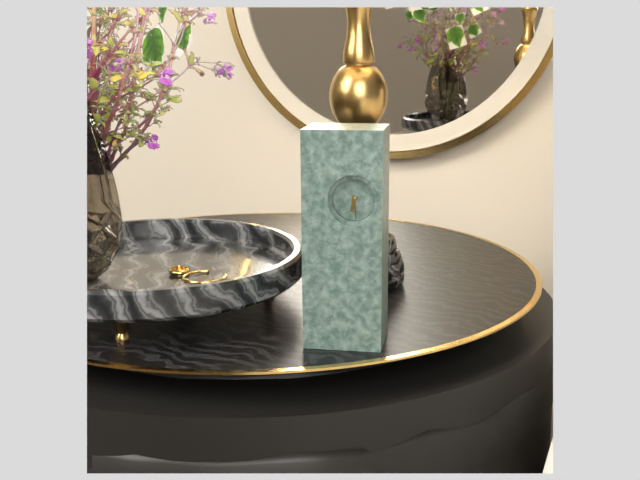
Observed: 6 h 29 min
